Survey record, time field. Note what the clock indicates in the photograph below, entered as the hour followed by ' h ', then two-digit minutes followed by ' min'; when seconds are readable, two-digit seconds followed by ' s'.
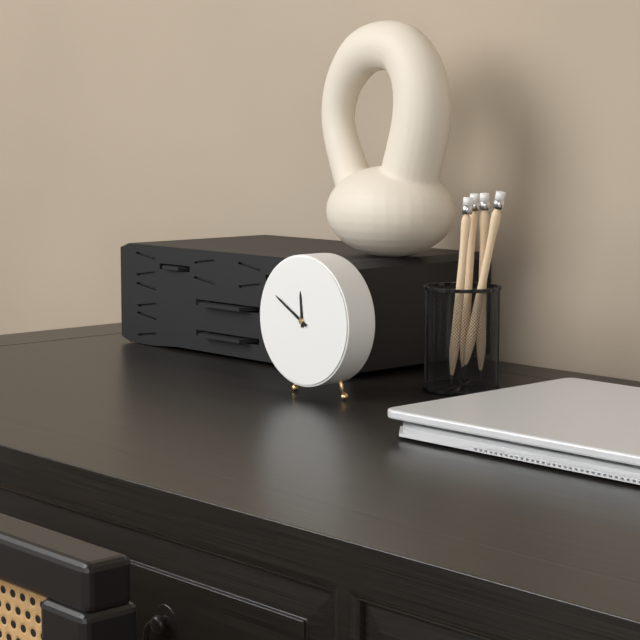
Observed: 11 h 50 min
